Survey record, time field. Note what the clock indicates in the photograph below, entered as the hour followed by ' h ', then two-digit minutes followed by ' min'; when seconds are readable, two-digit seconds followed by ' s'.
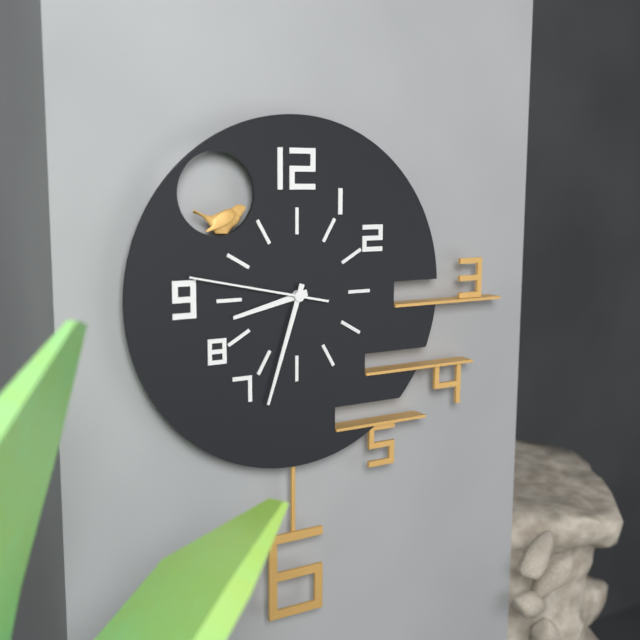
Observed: 8 h 33 min 47 s
